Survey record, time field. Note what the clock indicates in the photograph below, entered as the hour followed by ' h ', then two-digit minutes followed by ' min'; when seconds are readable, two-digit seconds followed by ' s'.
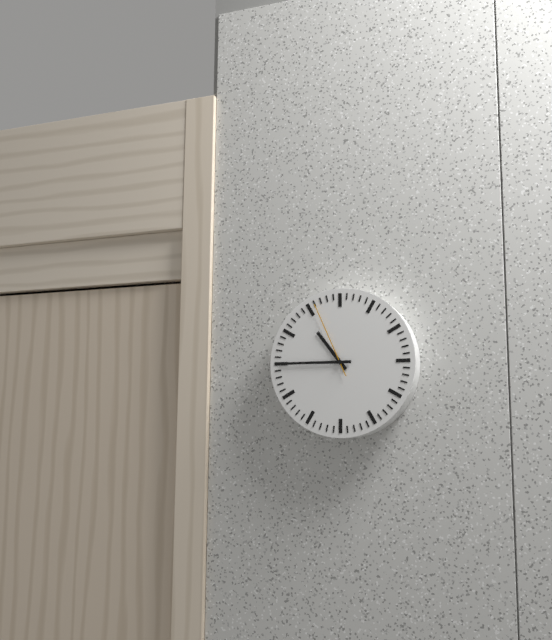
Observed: 10 h 45 min 56 s
